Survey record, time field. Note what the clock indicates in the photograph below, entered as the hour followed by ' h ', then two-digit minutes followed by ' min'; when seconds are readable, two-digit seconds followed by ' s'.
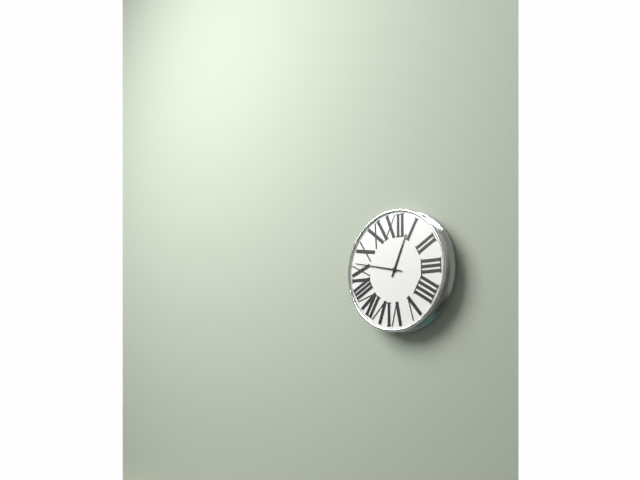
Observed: 12 h 47 min
